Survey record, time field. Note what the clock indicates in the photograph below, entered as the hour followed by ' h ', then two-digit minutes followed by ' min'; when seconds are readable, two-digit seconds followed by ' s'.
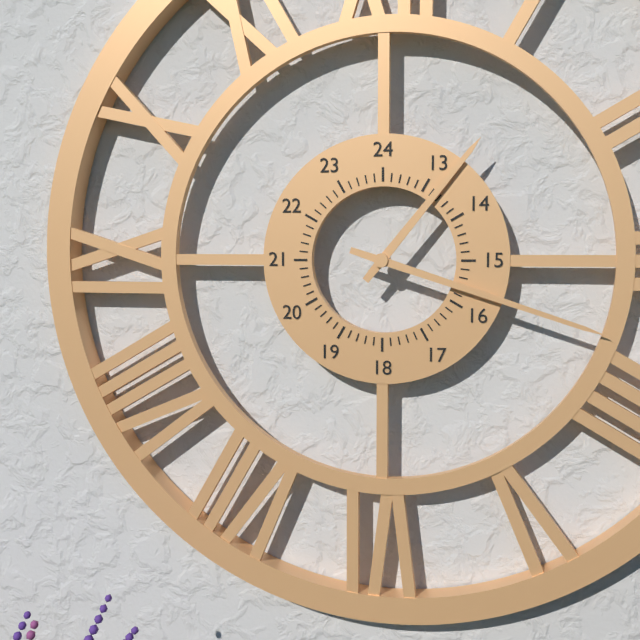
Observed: 1 h 18 min
